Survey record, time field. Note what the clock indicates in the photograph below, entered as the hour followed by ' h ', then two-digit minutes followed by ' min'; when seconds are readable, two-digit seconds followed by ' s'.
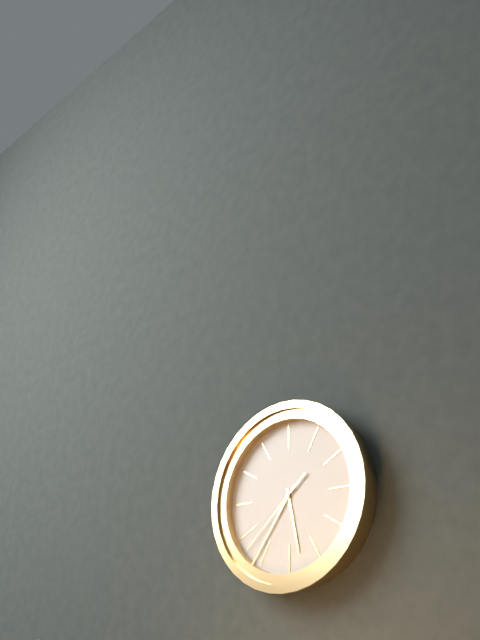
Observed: 5 h 36 min 38 s
